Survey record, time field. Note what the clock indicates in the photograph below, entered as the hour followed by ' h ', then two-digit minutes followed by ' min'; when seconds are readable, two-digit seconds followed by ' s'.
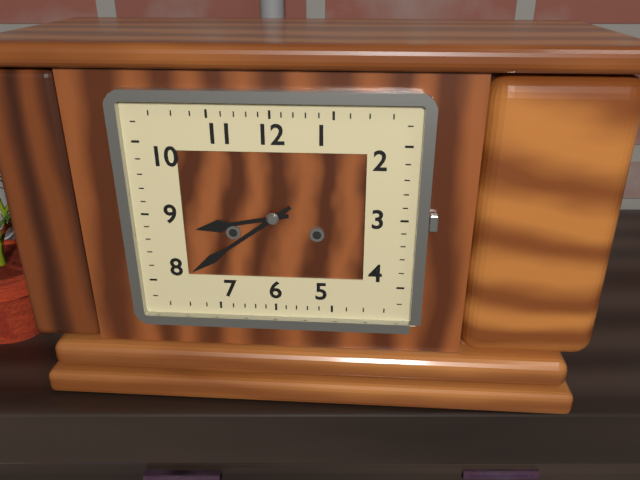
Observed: 8 h 39 min
